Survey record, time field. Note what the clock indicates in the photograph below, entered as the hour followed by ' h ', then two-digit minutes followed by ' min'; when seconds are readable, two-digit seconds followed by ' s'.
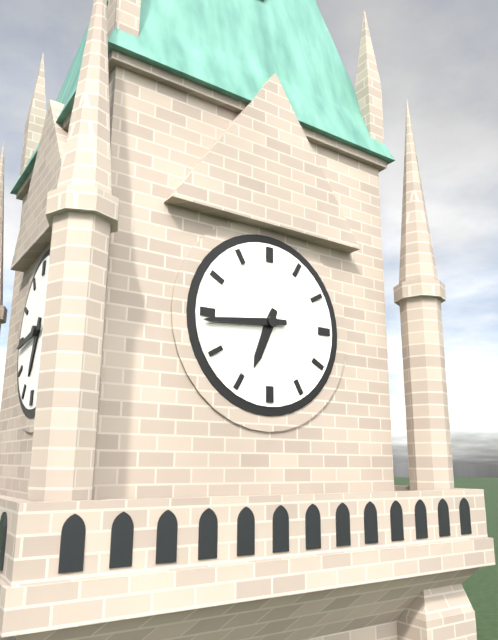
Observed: 6 h 44 min
